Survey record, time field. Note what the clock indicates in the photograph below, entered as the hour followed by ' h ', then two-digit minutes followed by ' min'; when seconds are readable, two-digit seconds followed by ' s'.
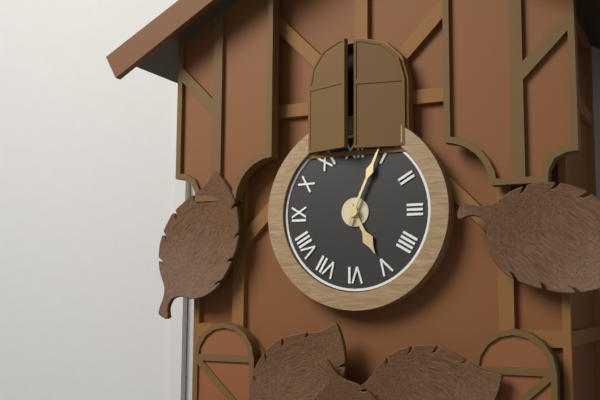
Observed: 5 h 04 min
